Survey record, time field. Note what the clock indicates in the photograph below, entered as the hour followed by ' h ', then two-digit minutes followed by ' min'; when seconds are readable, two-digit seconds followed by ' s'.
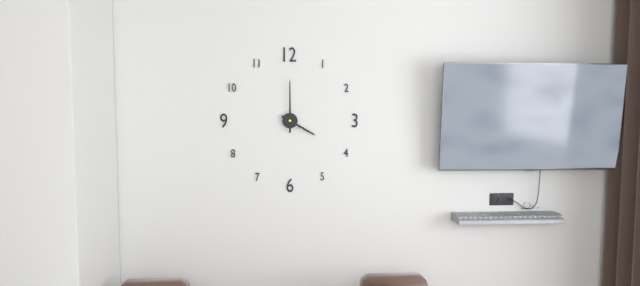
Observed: 4 h 00 min
